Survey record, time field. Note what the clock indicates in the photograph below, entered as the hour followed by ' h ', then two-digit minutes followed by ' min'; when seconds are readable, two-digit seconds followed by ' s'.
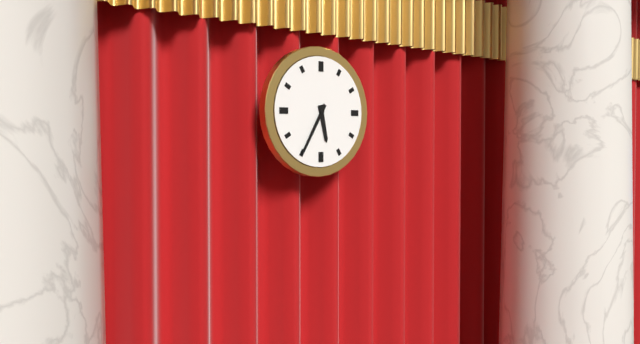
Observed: 5 h 35 min
